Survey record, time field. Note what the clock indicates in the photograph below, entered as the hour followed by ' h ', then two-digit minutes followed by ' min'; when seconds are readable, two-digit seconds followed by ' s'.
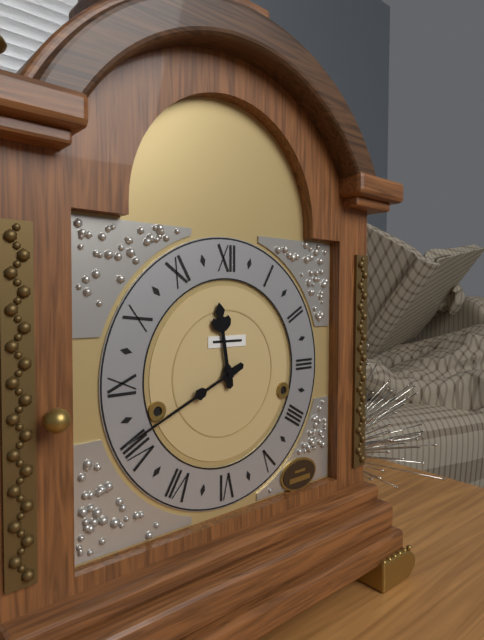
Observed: 11 h 41 min
